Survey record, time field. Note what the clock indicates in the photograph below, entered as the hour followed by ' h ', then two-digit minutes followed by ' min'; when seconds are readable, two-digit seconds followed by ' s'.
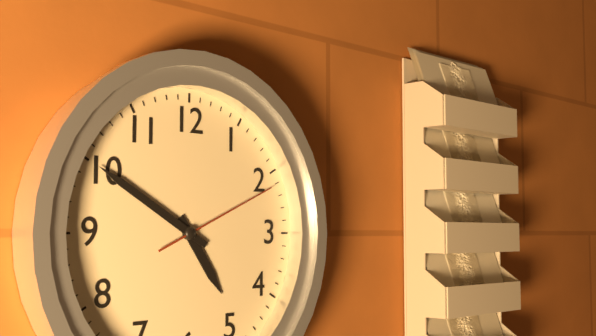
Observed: 4 h 50 min 11 s
